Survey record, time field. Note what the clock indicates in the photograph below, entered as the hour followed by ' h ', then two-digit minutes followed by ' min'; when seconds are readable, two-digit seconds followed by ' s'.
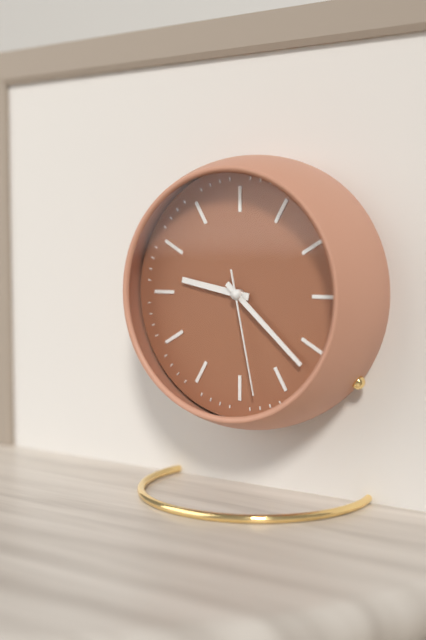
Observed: 9 h 22 min 28 s
